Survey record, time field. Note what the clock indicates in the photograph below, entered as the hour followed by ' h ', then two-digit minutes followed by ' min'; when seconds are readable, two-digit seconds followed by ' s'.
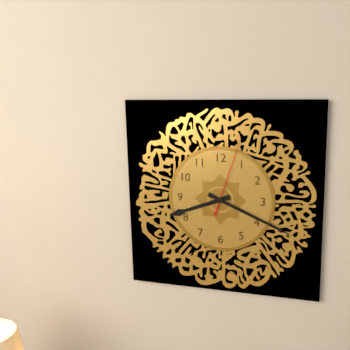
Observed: 8 h 19 min 03 s
